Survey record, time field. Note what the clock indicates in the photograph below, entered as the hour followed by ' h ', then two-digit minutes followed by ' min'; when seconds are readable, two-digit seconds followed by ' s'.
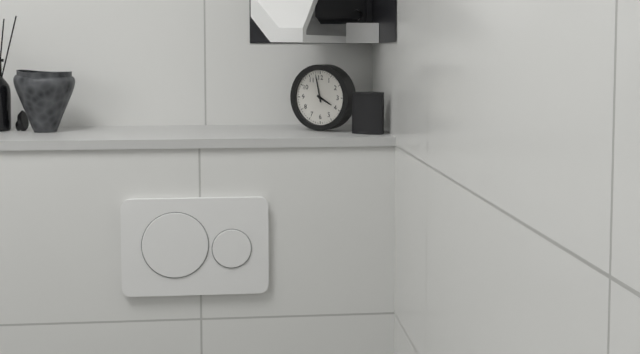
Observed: 3 h 58 min
